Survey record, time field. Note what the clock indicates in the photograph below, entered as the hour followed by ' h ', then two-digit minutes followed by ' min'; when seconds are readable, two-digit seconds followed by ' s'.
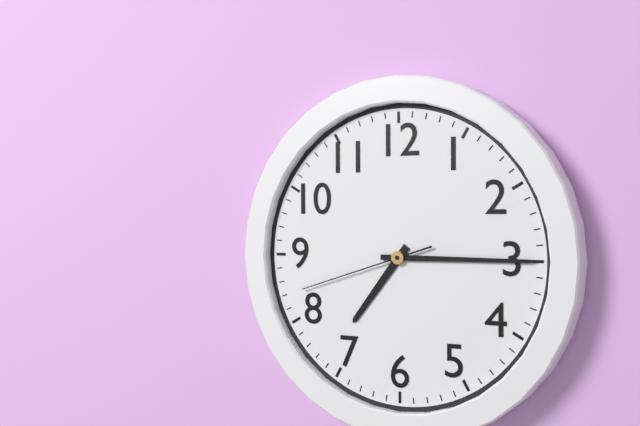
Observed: 7 h 15 min 42 s
